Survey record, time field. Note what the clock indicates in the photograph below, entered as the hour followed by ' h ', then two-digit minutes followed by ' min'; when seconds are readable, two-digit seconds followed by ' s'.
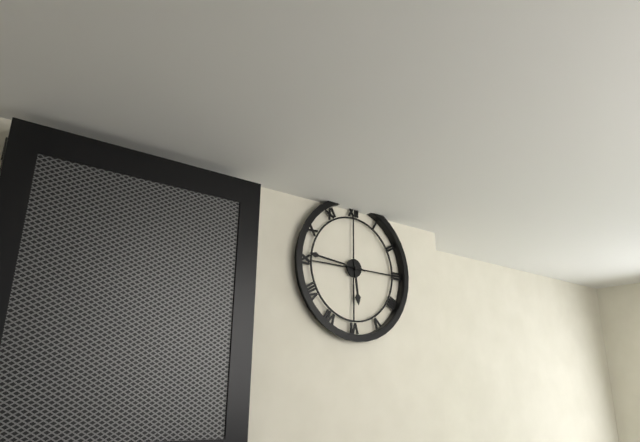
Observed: 5 h 46 min
